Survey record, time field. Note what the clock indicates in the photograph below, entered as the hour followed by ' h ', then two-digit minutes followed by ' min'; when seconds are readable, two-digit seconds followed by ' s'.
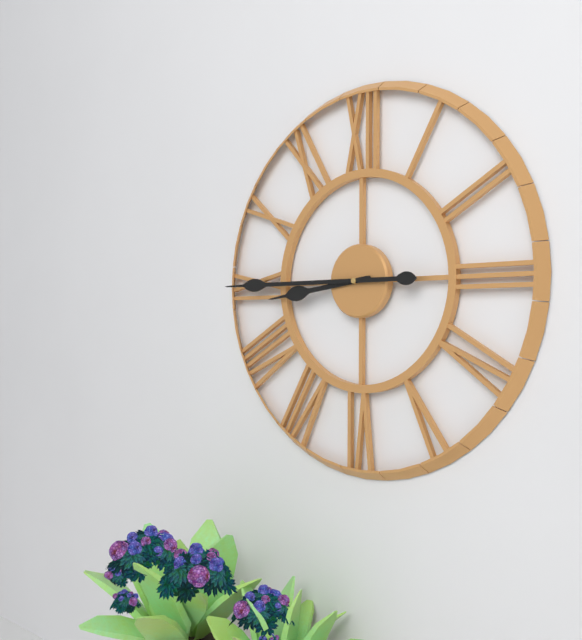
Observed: 8 h 45 min
